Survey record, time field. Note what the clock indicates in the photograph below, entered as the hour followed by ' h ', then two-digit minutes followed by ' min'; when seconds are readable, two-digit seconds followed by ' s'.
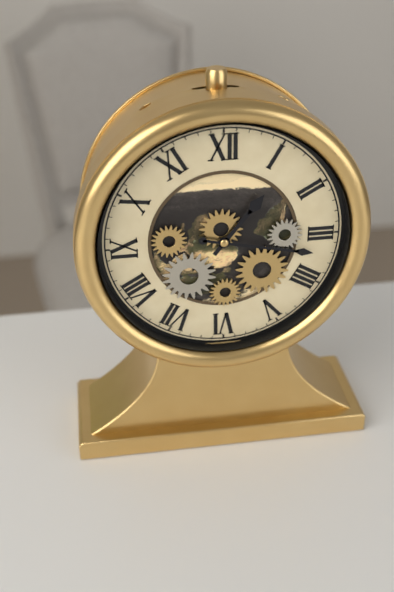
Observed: 1 h 17 min
